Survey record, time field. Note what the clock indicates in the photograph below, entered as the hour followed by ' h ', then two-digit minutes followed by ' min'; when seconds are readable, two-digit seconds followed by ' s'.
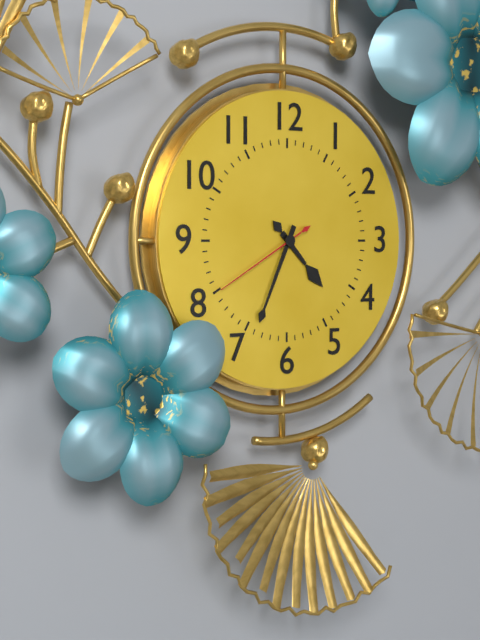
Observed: 4 h 34 min 40 s
